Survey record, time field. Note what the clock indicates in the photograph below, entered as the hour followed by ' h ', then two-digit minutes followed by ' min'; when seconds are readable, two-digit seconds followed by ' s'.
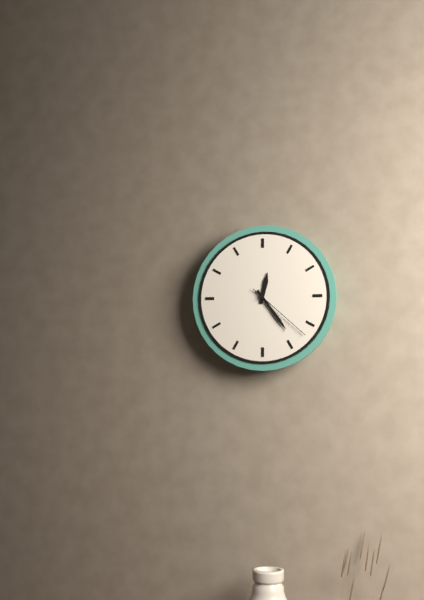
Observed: 12 h 24 min 22 s
